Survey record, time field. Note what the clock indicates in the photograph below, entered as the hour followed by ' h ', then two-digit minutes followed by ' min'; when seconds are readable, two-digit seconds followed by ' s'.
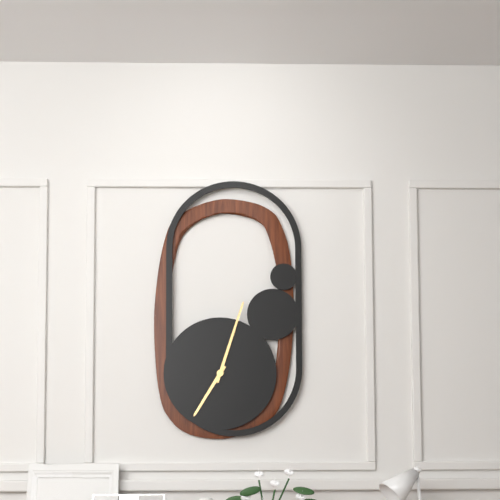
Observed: 7 h 03 min
